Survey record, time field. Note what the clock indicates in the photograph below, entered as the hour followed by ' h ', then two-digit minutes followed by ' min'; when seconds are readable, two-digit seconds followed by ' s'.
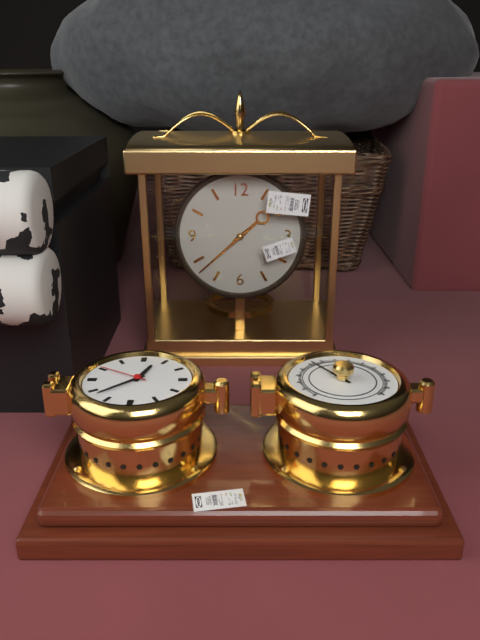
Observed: 1 h 38 min
